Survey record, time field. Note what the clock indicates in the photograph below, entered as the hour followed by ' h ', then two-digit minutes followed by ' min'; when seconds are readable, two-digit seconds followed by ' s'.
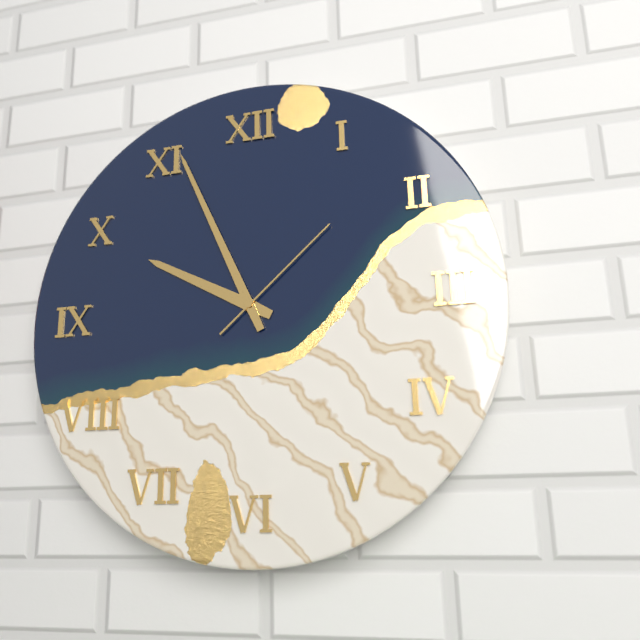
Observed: 9 h 56 min 08 s
